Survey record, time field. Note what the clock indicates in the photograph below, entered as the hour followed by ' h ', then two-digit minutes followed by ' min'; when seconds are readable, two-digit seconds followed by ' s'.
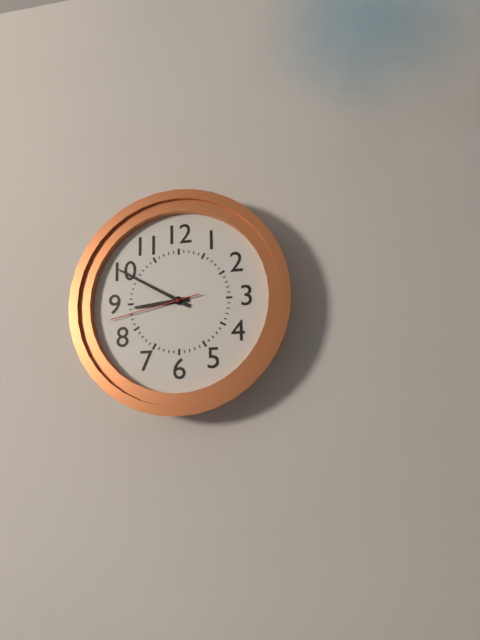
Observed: 8 h 50 min 43 s
